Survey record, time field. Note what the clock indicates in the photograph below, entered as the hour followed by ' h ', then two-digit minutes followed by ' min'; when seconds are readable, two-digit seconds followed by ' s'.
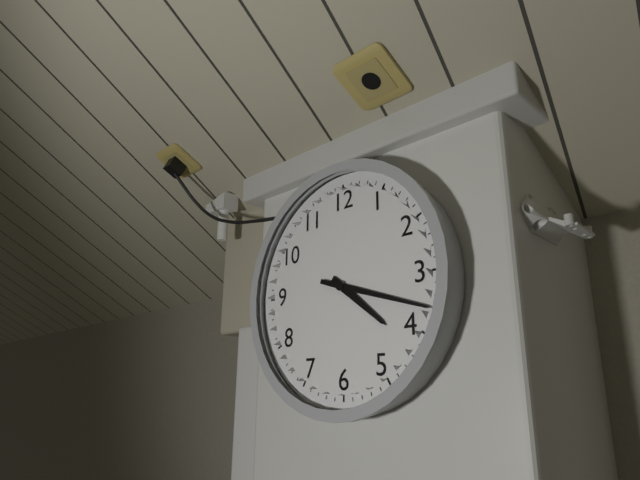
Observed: 4 h 18 min
